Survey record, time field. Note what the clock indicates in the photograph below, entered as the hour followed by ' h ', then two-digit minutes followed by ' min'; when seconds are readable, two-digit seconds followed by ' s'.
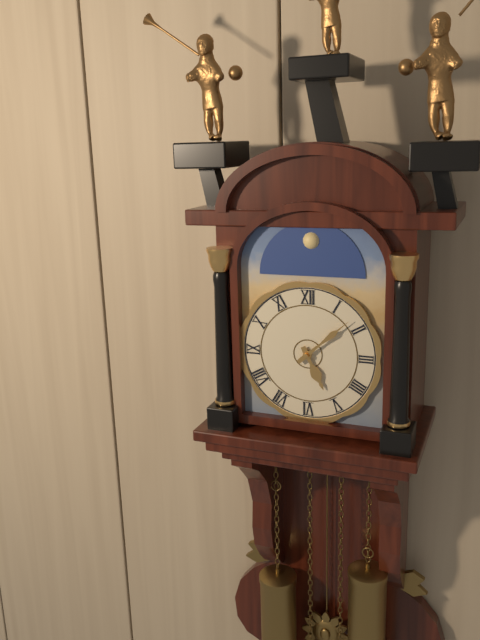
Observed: 5 h 08 min
